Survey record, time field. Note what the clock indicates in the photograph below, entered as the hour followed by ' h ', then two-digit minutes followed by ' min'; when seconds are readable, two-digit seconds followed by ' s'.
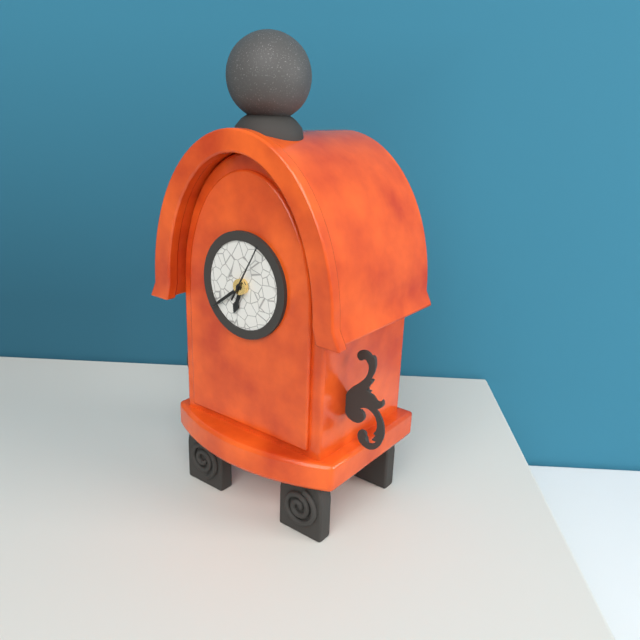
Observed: 6 h 39 min 05 s
